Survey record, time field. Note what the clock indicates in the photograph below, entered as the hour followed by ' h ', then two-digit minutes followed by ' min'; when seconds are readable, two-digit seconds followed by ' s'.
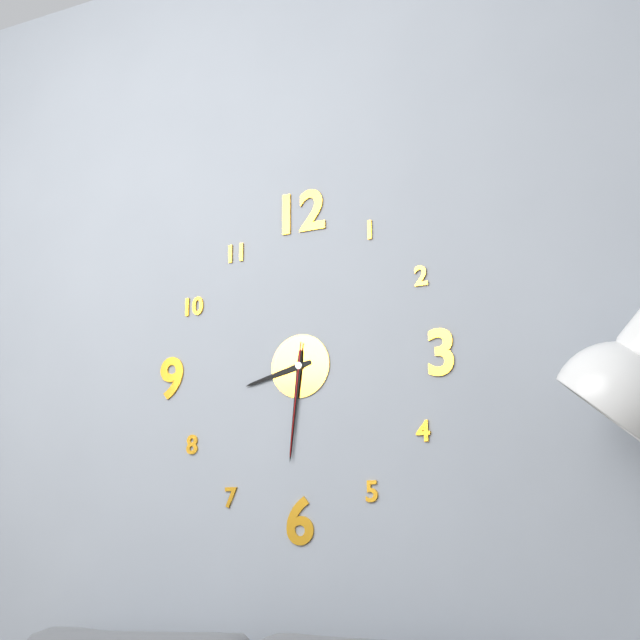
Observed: 8 h 31 min 31 s
